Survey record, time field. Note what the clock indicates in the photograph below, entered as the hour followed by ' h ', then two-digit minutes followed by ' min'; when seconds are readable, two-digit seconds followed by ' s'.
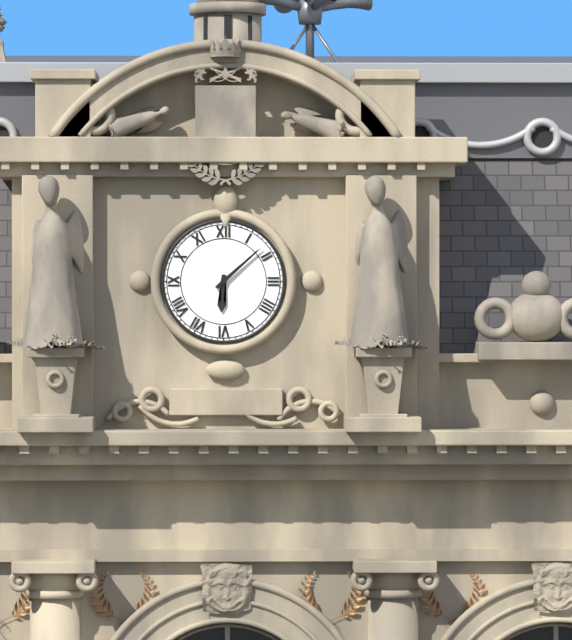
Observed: 6 h 08 min
